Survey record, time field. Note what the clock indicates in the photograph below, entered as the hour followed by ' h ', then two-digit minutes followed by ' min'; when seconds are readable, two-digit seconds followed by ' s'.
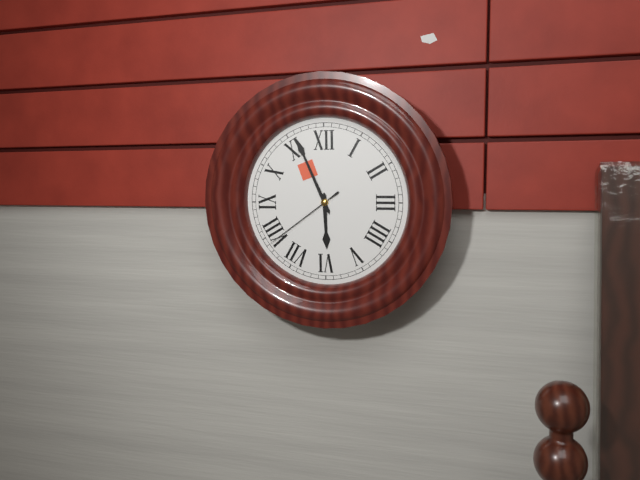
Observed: 5 h 56 min 39 s
